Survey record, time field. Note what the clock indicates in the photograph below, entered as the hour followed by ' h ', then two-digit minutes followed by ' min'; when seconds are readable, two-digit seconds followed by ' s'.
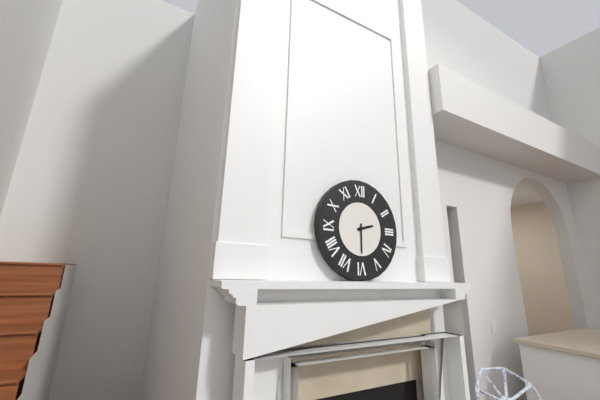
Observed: 2 h 30 min
